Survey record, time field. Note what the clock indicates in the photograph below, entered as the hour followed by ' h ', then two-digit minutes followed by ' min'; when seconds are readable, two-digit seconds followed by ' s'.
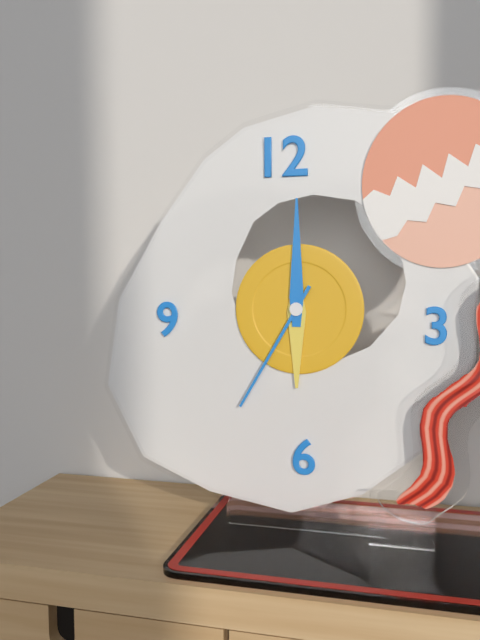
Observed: 6 h 00 min 35 s
